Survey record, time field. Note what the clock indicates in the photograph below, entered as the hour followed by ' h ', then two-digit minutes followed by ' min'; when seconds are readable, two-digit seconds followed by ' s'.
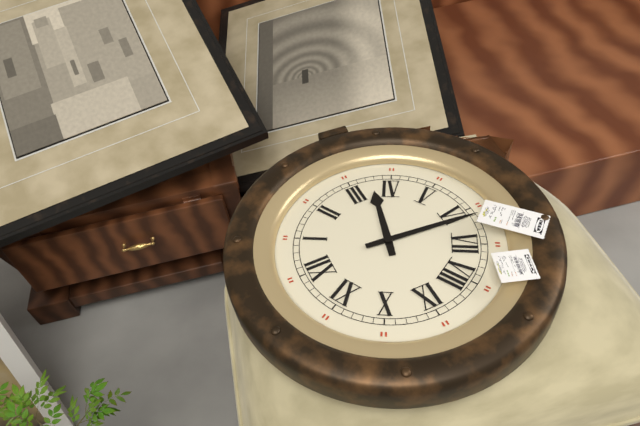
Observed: 3 h 31 min
